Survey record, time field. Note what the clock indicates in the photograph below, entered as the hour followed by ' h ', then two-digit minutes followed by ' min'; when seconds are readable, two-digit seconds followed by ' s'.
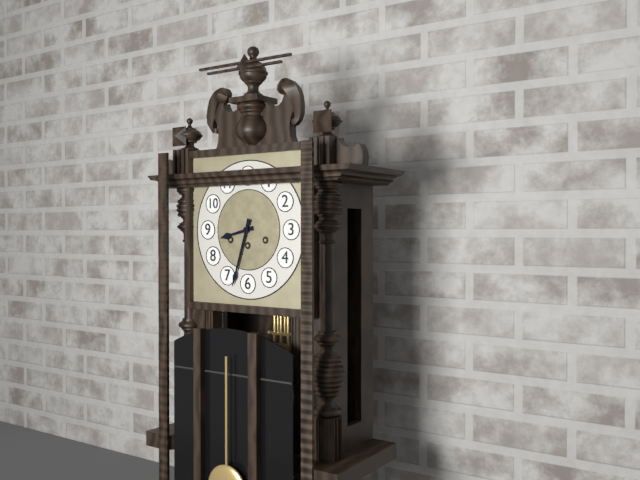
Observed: 8 h 33 min
